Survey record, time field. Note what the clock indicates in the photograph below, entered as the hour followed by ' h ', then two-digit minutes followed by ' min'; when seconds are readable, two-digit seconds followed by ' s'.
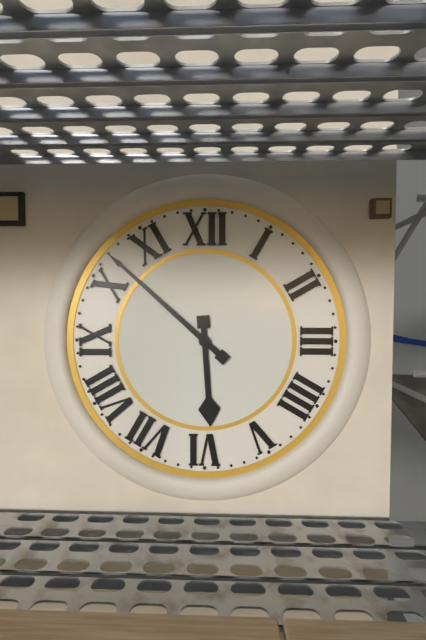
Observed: 5 h 52 min
